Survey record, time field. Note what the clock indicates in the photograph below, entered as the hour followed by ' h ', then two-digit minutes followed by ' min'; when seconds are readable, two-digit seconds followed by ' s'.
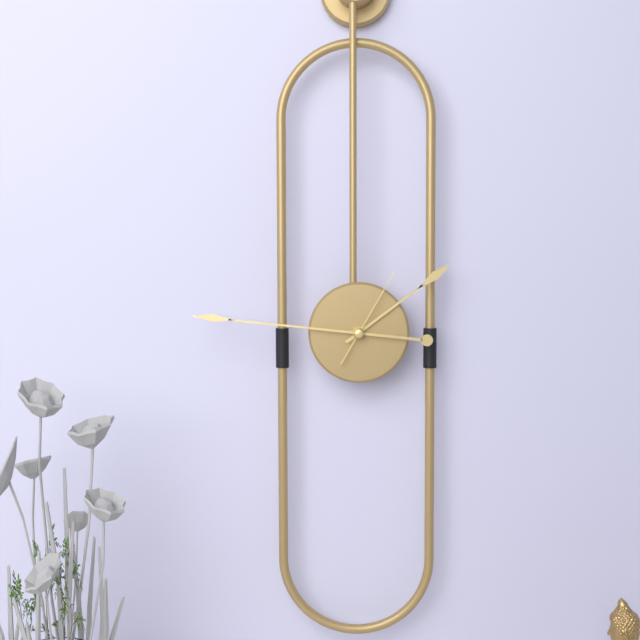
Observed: 1 h 46 min 05 s
